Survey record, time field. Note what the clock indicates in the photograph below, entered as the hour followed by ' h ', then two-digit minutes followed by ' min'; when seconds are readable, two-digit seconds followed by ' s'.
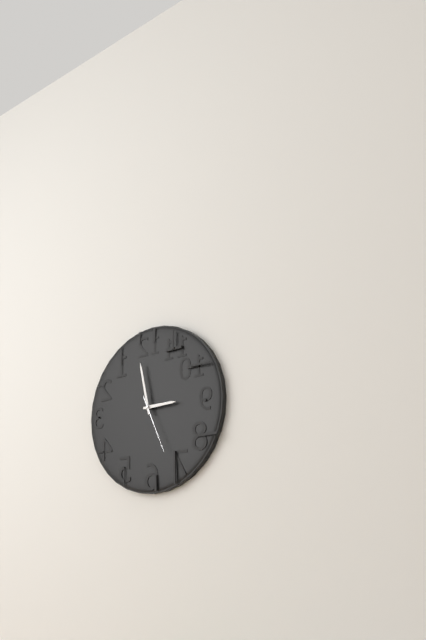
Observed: 2 h 58 min 26 s
